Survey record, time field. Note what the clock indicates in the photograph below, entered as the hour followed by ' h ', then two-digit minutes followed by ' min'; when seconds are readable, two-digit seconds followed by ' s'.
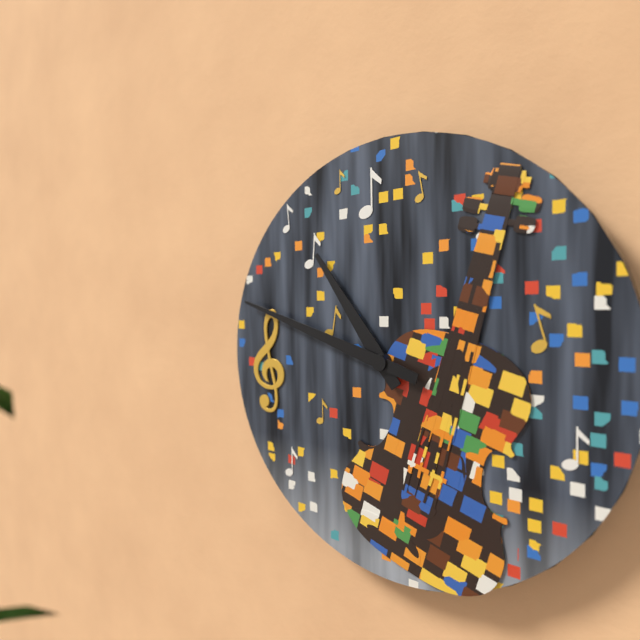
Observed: 10 h 48 min
